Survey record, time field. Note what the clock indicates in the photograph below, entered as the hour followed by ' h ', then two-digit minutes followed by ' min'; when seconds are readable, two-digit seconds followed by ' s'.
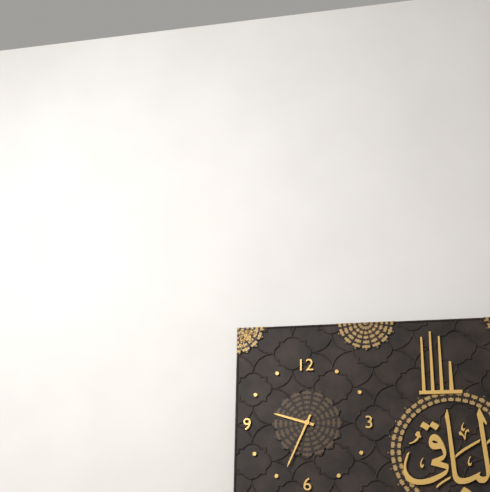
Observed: 9 h 34 min
